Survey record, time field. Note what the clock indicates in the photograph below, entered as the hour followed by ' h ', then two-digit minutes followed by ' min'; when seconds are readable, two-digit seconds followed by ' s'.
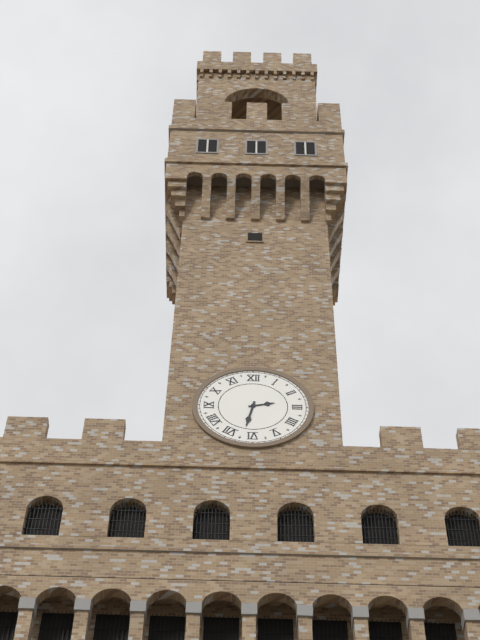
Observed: 2 h 32 min
